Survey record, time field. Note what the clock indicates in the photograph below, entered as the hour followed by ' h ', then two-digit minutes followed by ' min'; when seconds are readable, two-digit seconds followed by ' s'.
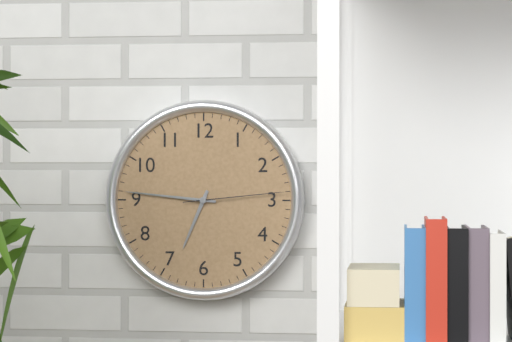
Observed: 6 h 46 min 14 s
